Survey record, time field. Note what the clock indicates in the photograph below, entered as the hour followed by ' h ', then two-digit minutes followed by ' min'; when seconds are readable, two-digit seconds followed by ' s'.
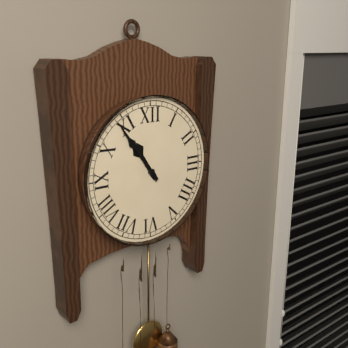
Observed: 10 h 54 min
